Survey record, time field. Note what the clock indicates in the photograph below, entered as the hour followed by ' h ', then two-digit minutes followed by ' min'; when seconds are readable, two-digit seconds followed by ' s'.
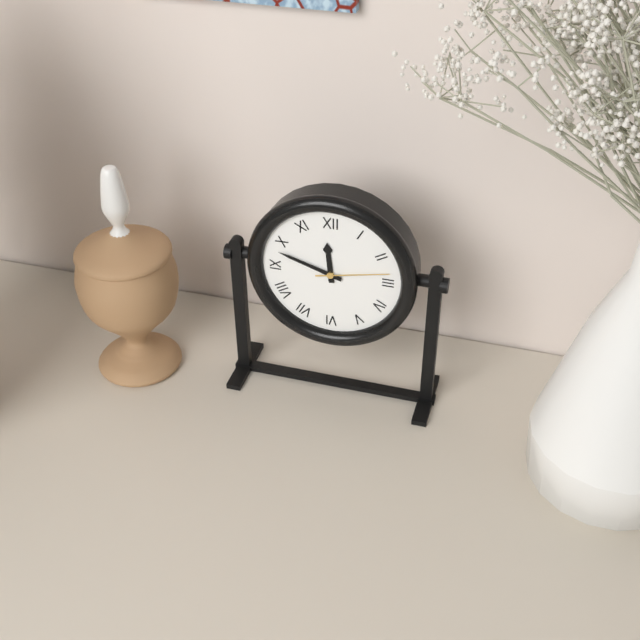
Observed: 11 h 48 min 13 s
